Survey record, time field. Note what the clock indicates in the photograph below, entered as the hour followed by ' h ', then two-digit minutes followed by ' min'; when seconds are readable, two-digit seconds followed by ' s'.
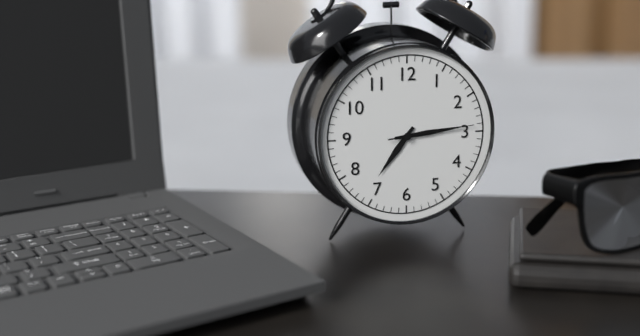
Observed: 7 h 14 min 14 s
